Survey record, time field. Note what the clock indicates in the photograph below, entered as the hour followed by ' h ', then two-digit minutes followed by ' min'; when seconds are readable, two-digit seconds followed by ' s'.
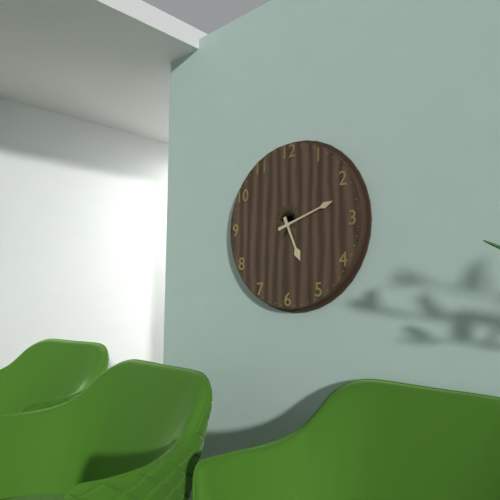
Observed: 5 h 12 min
